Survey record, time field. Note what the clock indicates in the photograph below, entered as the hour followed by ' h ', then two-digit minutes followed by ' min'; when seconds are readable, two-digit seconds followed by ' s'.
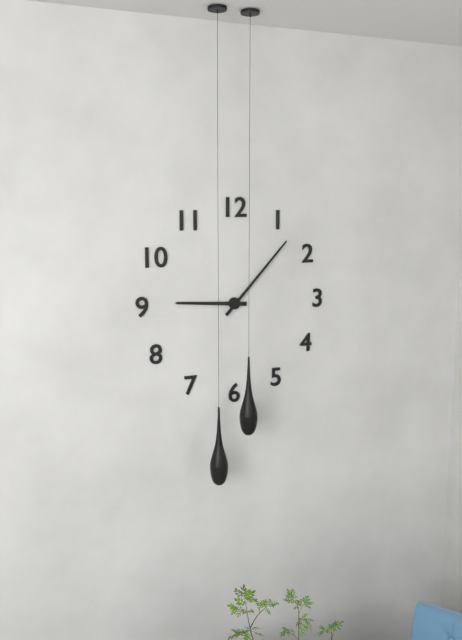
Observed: 9 h 07 min
